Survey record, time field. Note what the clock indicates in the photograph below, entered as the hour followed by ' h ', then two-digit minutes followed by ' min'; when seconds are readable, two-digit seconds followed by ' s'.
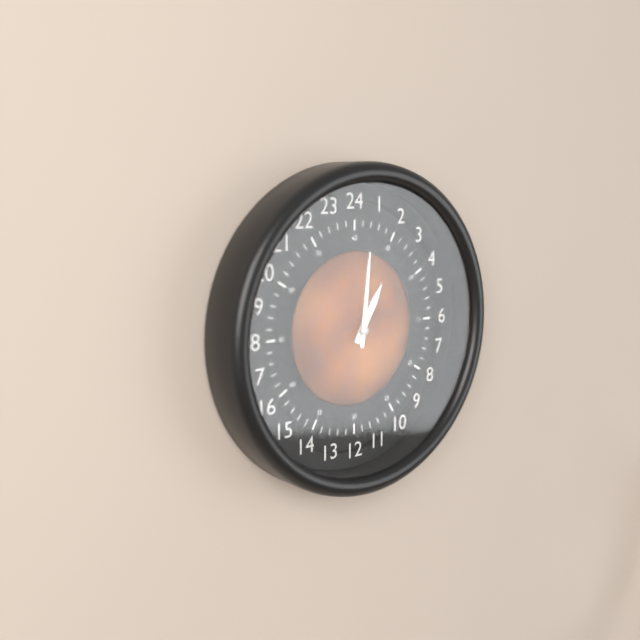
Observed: 1 h 01 min
